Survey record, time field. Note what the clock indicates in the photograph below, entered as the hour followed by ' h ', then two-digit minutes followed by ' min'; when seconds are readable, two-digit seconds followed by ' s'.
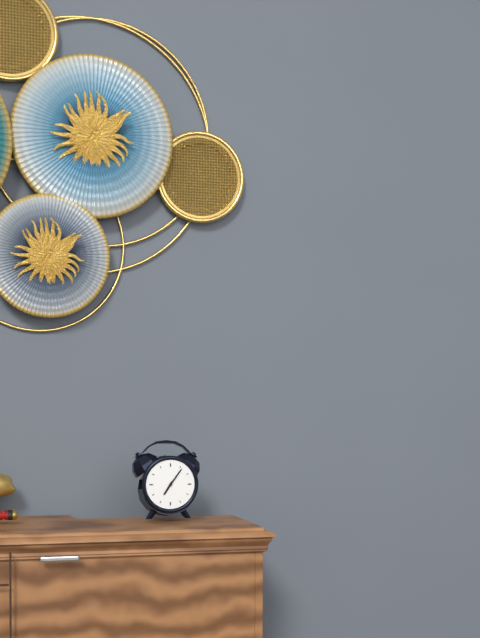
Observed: 7 h 06 min
